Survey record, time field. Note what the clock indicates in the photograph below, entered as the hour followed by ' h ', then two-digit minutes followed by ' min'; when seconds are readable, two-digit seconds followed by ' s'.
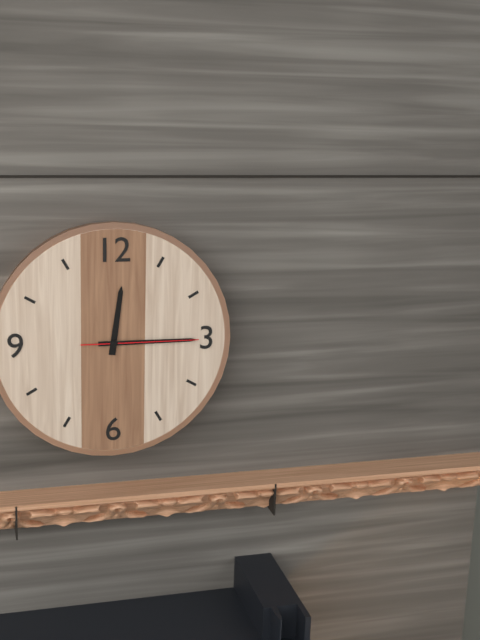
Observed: 12 h 15 min 15 s
